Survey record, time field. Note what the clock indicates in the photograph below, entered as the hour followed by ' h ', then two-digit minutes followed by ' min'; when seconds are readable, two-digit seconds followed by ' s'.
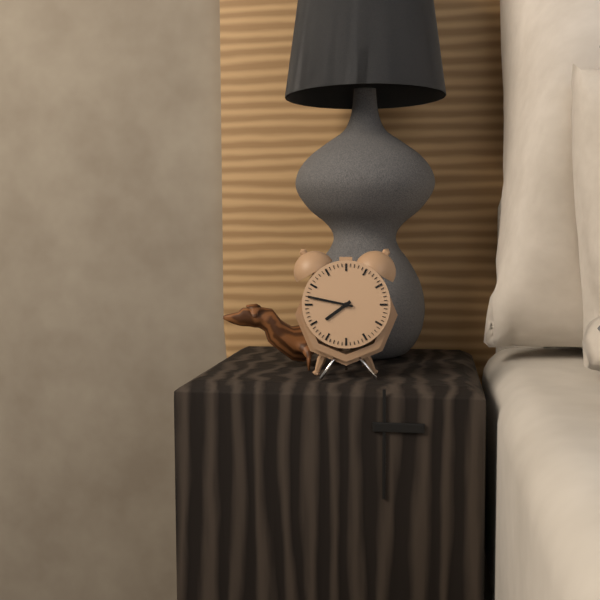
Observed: 7 h 47 min
